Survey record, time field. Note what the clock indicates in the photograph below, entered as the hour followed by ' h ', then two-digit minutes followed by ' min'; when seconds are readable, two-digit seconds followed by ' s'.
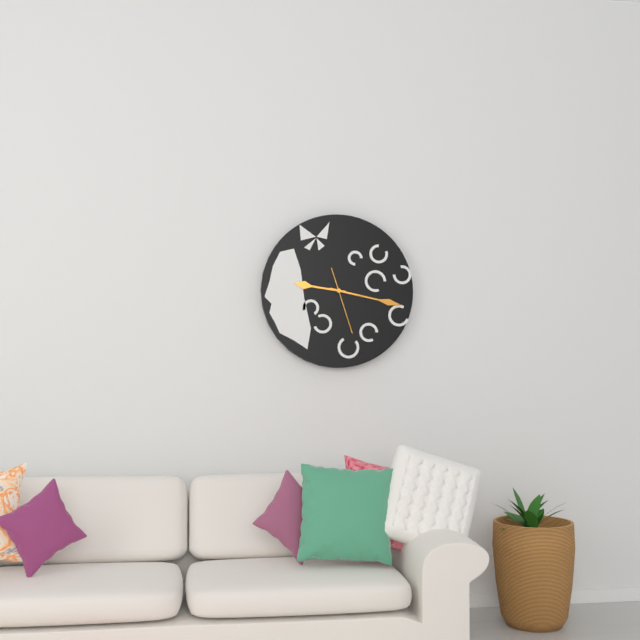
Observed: 9 h 17 min 27 s
